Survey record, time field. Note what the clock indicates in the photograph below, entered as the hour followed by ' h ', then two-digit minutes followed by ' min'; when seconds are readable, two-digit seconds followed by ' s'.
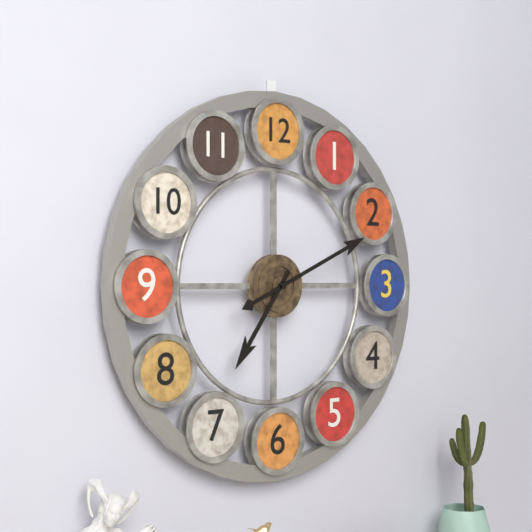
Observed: 7 h 11 min
